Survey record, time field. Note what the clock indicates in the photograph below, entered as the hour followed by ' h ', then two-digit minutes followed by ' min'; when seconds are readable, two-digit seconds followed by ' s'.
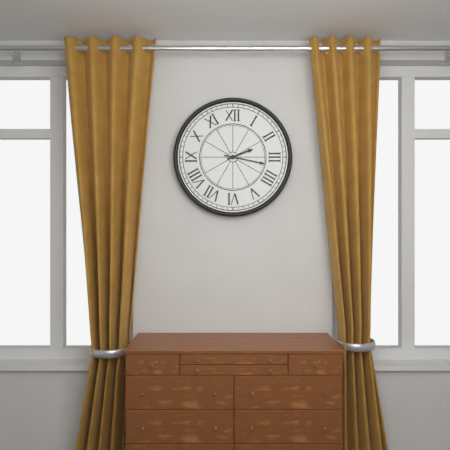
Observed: 2 h 17 min
